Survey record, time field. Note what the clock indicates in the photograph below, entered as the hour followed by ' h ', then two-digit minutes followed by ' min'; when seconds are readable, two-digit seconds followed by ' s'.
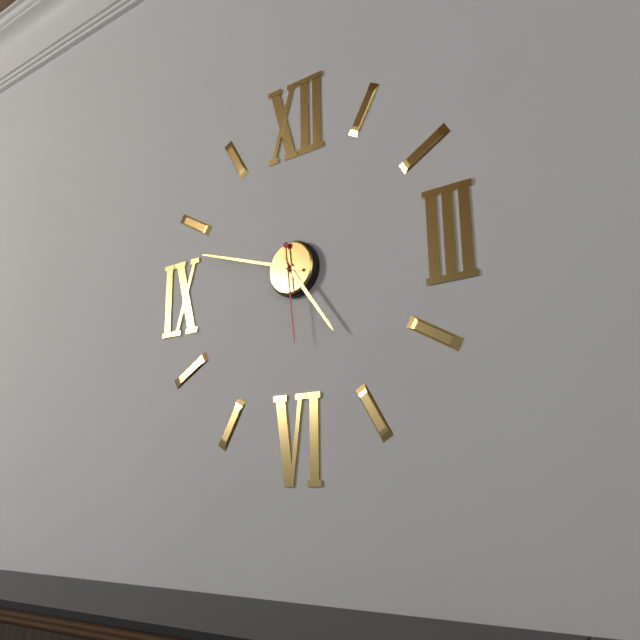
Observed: 4 h 48 min 29 s
